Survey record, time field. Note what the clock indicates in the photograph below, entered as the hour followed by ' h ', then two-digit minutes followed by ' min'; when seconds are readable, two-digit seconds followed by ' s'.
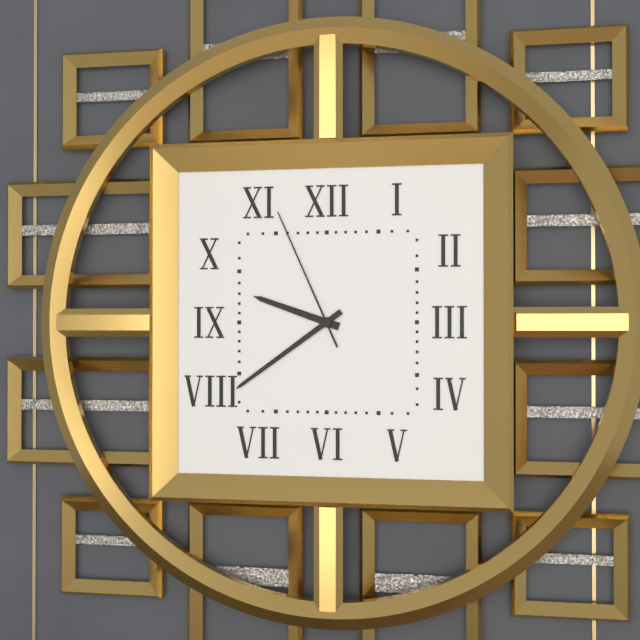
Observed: 9 h 39 min 56 s
